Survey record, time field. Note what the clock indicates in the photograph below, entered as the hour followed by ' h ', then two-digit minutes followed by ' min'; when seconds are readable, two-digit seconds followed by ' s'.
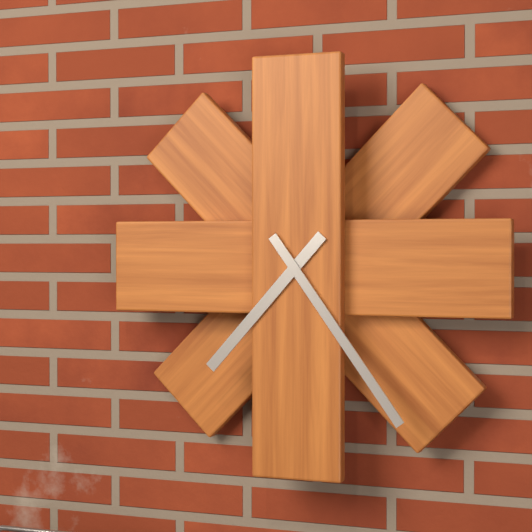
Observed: 7 h 24 min
